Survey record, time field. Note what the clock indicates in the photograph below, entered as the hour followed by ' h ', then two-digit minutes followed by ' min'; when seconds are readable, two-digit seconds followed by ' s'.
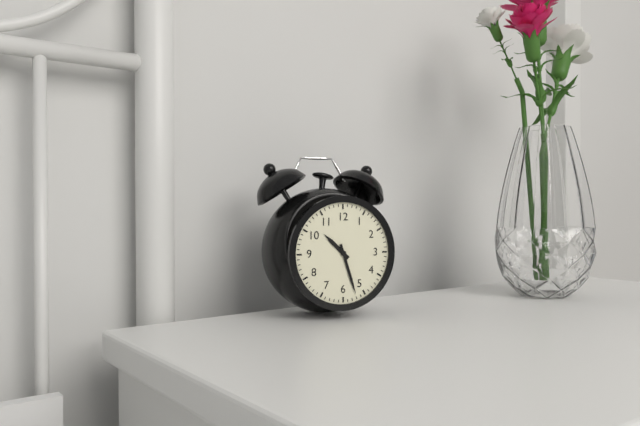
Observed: 10 h 27 min
